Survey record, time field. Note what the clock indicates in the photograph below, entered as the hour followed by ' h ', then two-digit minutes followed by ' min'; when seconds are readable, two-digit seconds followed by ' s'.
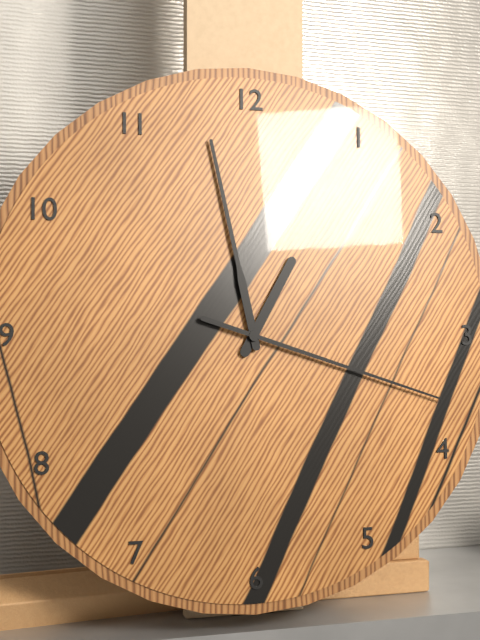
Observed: 12 h 58 min 18 s
